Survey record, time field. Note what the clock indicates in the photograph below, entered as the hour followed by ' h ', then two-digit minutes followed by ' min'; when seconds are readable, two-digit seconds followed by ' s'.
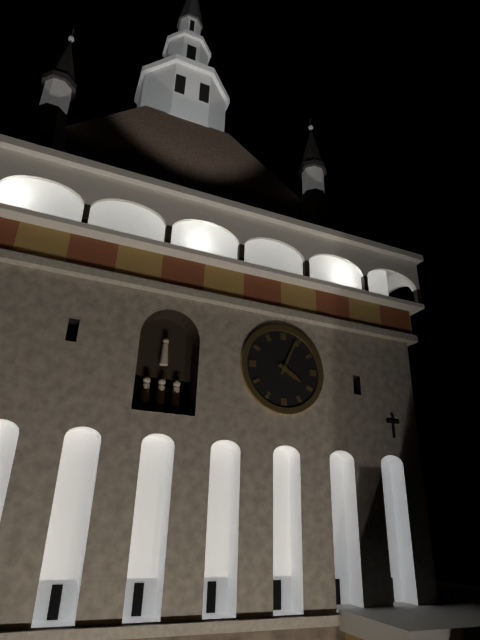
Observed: 4 h 04 min
